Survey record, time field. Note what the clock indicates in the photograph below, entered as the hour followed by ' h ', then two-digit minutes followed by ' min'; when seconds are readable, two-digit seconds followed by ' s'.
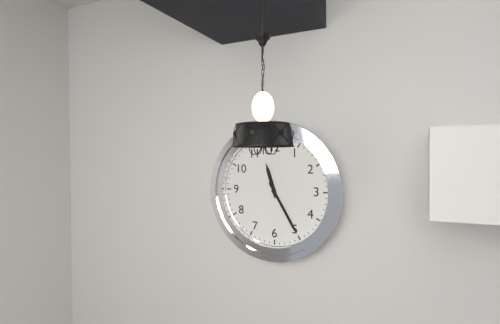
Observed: 11 h 25 min
